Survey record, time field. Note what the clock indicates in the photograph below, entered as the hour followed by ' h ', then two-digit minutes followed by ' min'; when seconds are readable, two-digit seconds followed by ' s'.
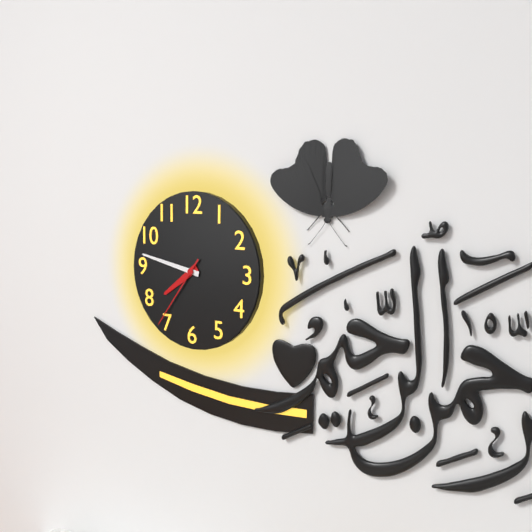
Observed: 7 h 47 min 36 s
